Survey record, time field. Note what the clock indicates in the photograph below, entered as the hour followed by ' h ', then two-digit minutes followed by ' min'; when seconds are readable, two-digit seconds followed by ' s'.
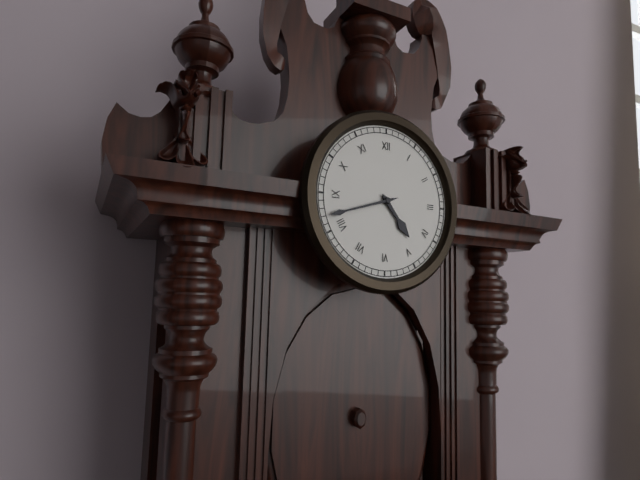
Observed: 4 h 42 min
